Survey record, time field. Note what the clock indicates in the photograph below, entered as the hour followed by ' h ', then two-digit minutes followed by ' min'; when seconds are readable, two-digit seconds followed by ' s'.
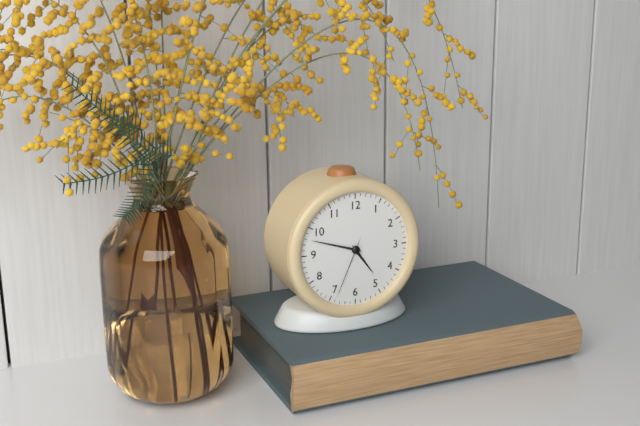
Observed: 4 h 48 min 34 s
